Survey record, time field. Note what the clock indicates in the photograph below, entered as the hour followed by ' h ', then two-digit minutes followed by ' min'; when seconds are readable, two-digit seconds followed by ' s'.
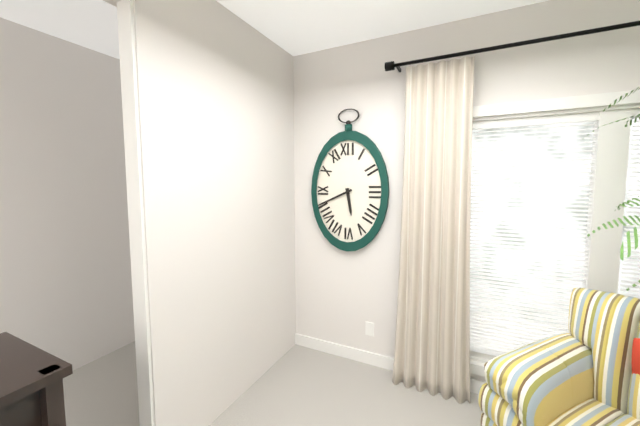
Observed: 5 h 41 min
